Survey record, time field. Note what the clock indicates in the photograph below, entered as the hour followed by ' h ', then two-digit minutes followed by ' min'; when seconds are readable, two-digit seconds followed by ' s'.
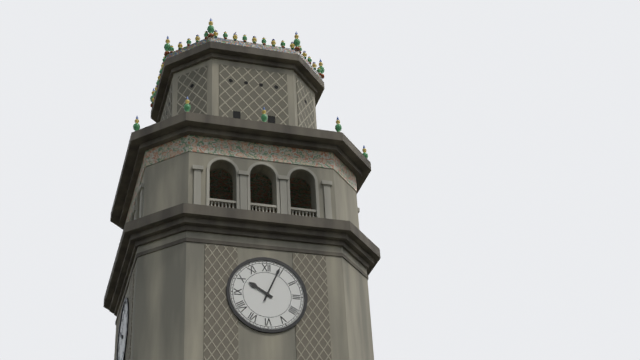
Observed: 10 h 04 min
